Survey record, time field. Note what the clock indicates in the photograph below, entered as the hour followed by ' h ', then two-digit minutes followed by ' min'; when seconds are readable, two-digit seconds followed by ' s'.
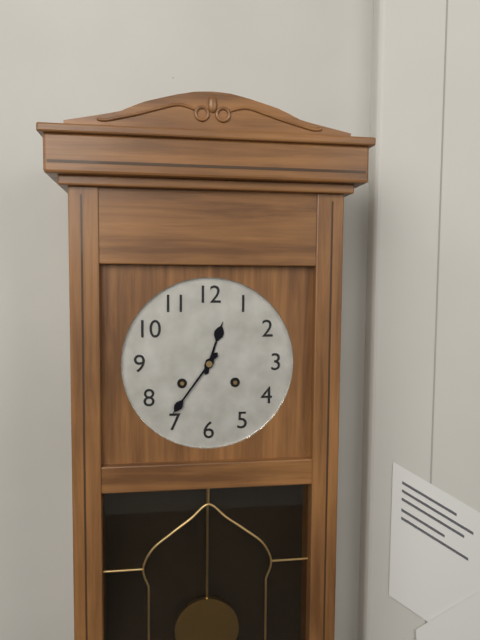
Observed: 12 h 36 min
